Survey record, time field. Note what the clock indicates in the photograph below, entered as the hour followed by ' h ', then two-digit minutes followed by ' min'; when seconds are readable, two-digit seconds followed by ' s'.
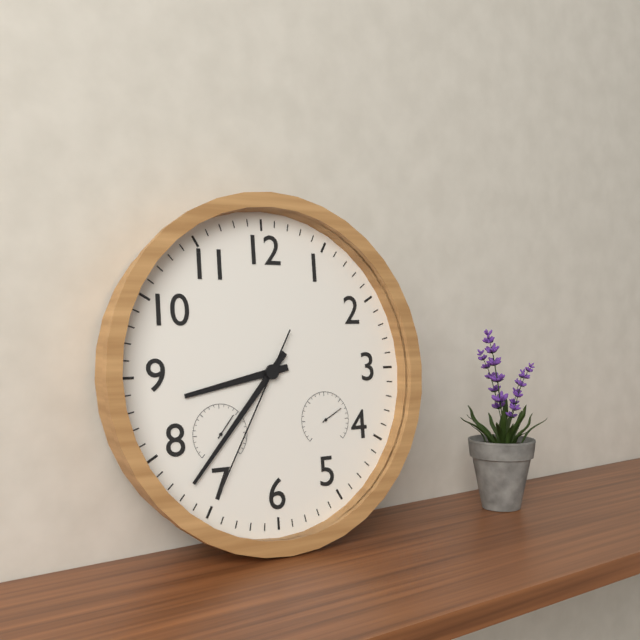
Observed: 8 h 37 min 35 s
